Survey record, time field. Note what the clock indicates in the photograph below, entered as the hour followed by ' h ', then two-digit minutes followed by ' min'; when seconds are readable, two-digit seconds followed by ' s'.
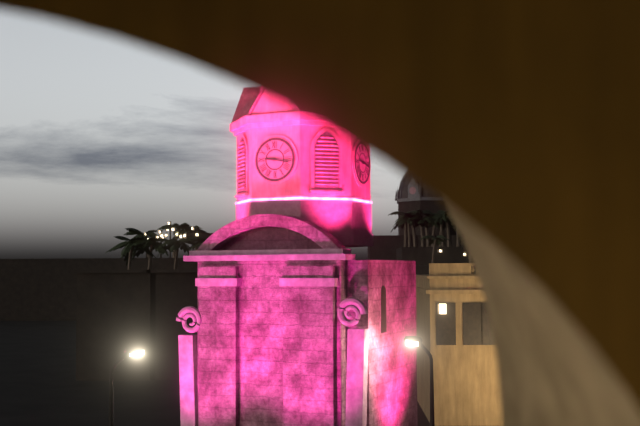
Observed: 9 h 17 min
